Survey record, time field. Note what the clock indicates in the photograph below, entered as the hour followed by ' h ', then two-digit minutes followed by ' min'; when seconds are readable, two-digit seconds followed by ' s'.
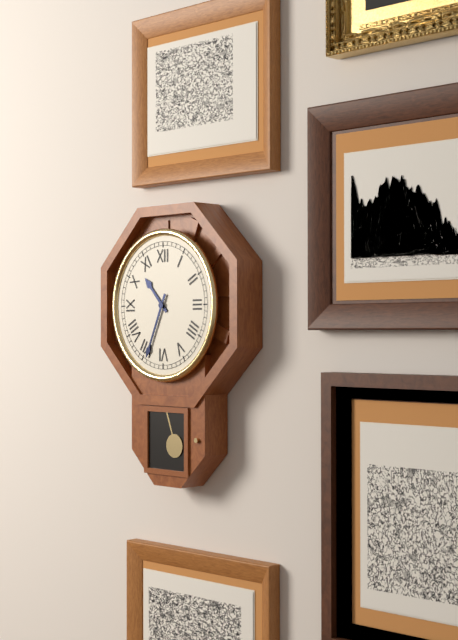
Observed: 10 h 34 min
